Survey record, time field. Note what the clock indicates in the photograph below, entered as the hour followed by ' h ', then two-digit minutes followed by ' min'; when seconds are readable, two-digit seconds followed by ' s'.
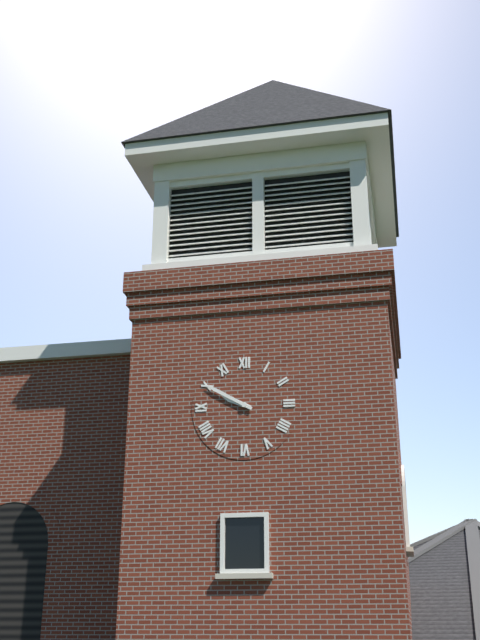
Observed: 9 h 50 min
